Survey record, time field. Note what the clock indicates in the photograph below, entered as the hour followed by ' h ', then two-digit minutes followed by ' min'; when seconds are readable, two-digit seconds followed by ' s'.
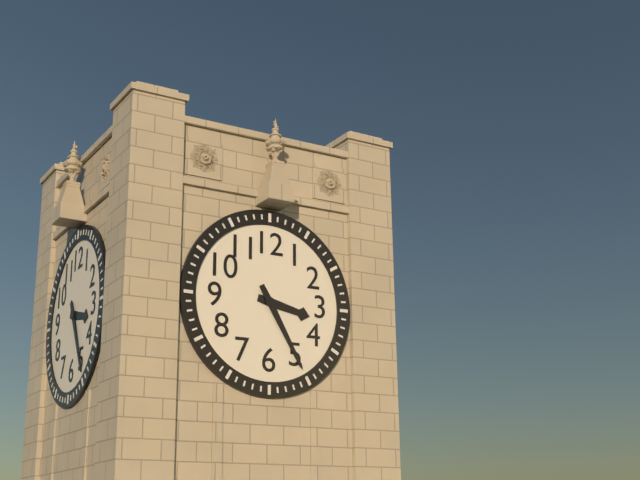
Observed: 3 h 25 min
